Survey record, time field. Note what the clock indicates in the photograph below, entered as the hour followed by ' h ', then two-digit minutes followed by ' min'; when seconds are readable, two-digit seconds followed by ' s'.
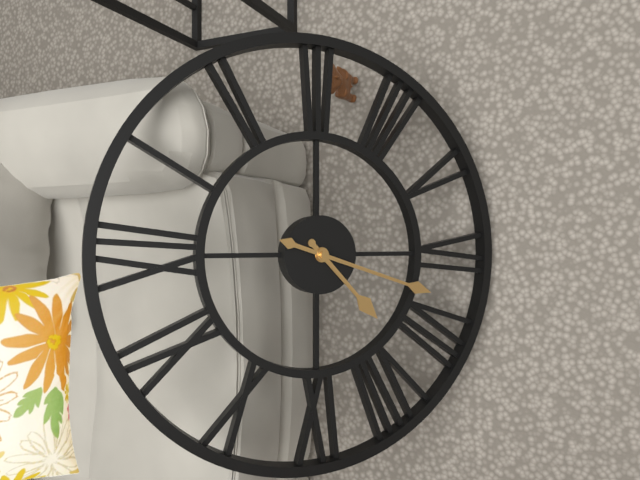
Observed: 7 h 33 min
